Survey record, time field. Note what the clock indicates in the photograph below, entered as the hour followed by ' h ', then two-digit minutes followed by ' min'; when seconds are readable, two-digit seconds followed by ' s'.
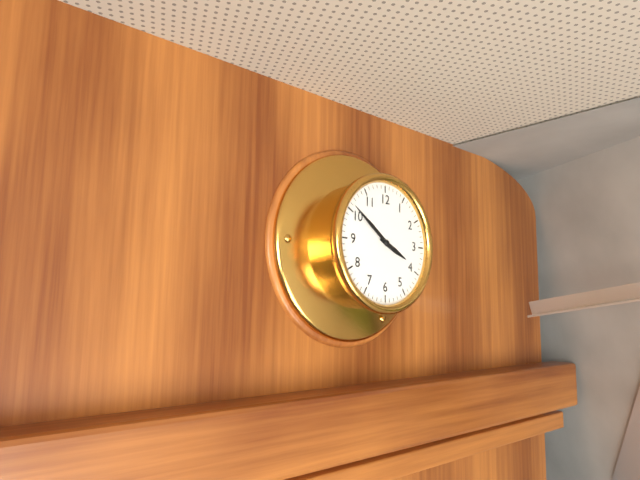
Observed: 3 h 51 min
